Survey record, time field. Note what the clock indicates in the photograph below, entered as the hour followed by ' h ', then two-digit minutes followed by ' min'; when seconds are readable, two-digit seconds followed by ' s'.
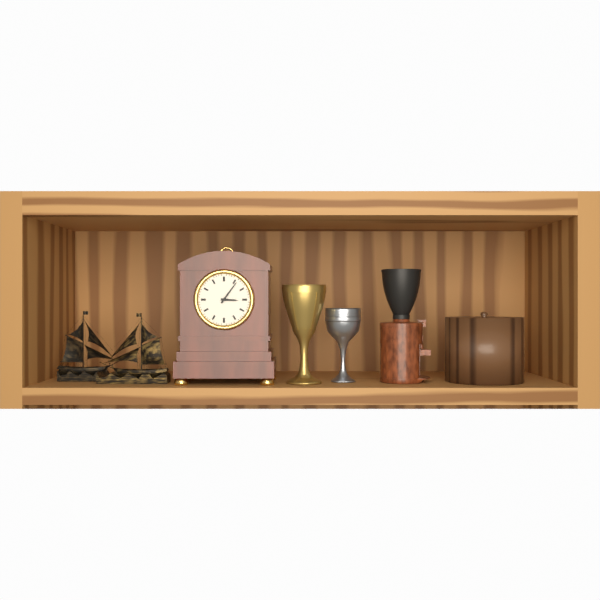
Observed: 3 h 06 min
